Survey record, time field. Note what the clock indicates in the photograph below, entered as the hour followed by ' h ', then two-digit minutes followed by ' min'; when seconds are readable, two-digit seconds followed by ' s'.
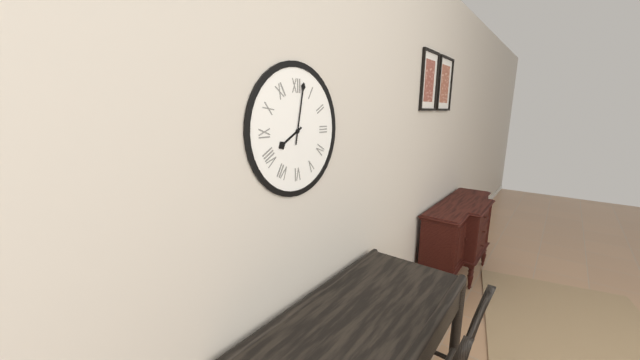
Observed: 8 h 02 min
